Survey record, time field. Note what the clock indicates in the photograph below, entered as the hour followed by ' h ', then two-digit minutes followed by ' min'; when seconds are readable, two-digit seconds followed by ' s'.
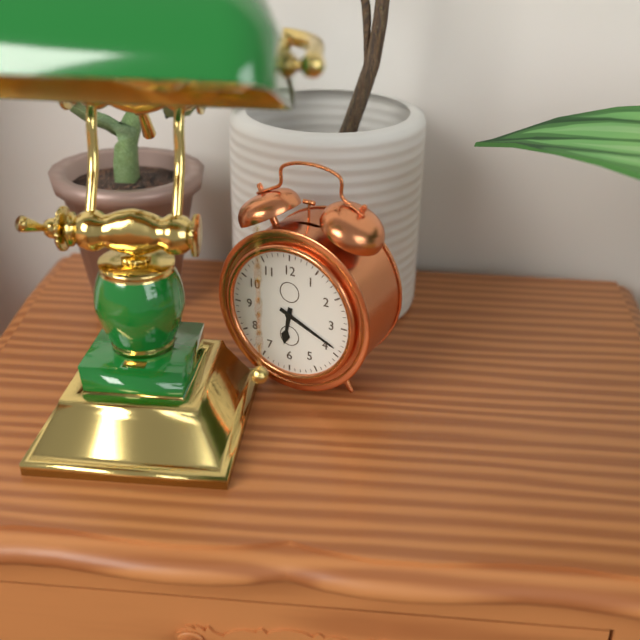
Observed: 6 h 19 min
